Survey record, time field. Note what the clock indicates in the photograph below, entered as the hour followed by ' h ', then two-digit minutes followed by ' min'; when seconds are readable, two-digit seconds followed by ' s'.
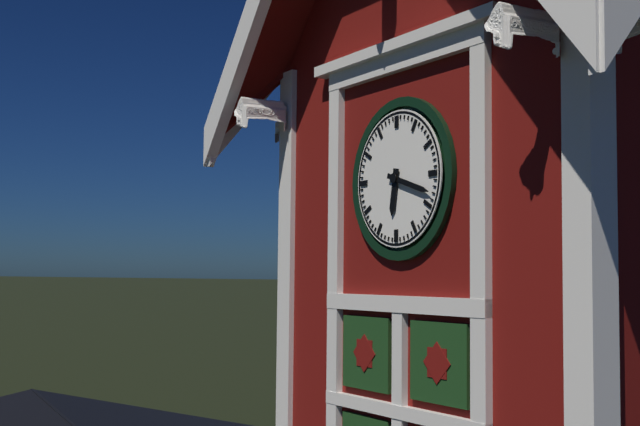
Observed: 6 h 18 min
